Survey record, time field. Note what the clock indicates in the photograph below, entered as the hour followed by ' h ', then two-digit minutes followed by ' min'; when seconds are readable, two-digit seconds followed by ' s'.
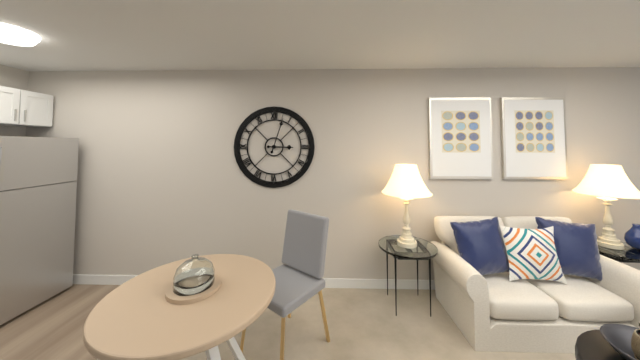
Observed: 3 h 03 min
